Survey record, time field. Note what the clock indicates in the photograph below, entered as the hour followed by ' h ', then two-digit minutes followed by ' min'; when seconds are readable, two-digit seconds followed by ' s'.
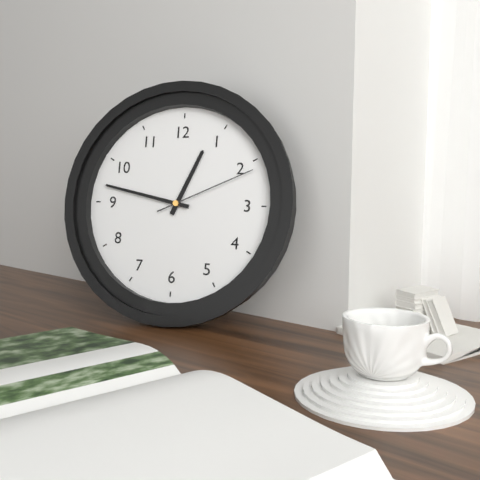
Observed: 12 h 47 min 11 s
